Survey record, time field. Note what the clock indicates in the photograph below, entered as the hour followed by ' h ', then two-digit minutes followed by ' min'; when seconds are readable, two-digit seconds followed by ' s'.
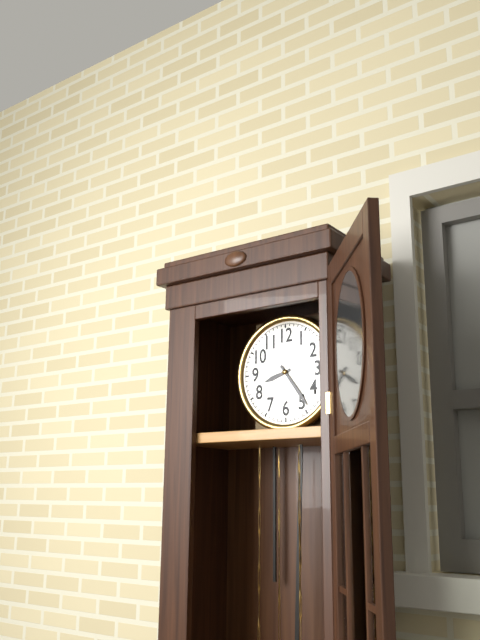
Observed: 8 h 24 min
